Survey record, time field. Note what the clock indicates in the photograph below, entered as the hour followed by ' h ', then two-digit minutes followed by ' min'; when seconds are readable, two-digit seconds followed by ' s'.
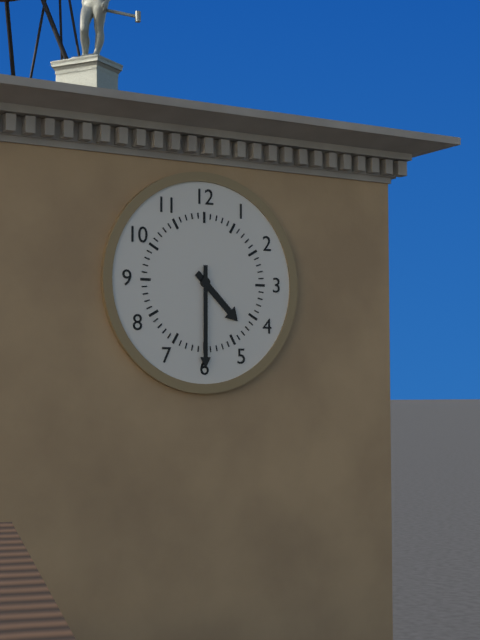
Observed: 4 h 30 min
